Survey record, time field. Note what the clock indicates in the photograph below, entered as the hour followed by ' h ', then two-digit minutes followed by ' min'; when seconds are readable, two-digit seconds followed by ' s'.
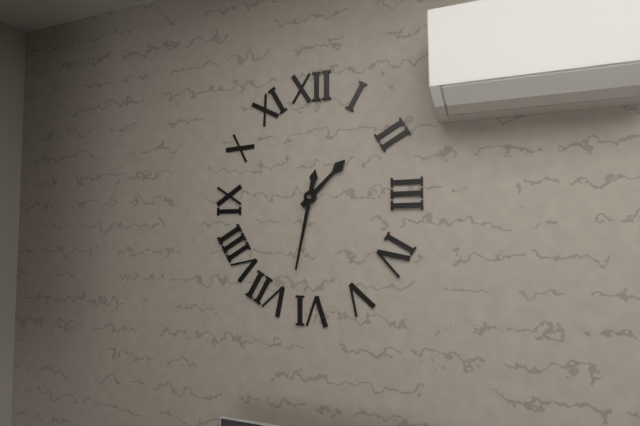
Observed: 1 h 32 min
